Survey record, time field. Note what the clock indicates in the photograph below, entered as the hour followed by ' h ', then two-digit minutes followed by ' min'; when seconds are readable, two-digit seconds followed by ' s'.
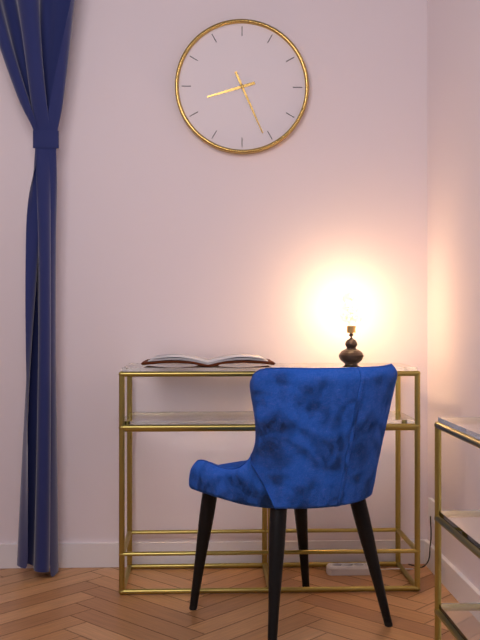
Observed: 8 h 26 min
